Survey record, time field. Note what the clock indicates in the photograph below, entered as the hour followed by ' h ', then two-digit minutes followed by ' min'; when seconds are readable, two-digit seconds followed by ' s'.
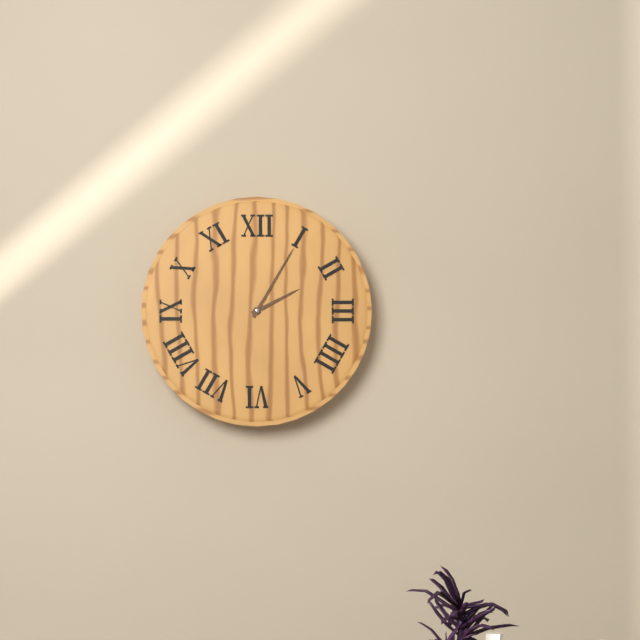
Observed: 2 h 05 min
